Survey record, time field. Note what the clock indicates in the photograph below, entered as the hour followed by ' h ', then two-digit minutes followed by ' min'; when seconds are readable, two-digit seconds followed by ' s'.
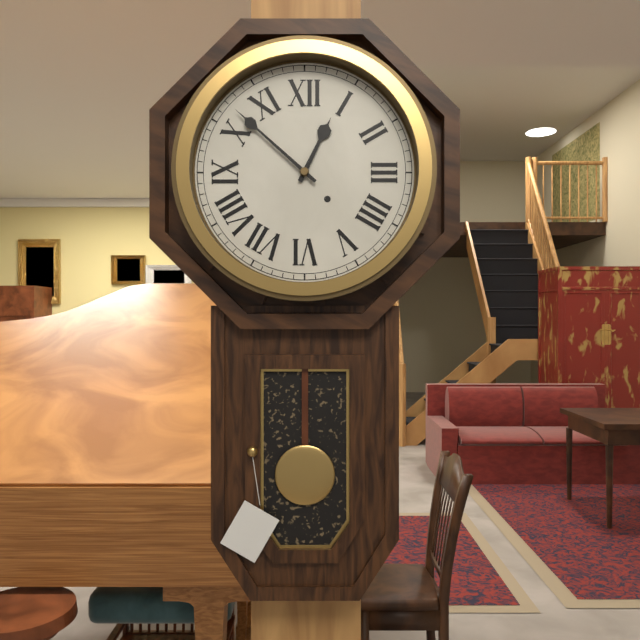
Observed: 12 h 52 min
